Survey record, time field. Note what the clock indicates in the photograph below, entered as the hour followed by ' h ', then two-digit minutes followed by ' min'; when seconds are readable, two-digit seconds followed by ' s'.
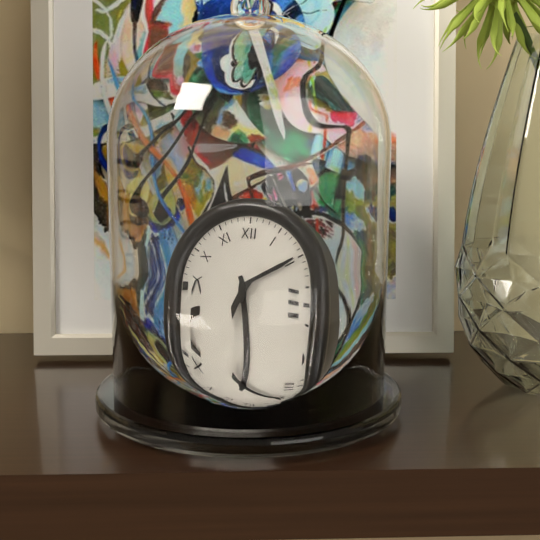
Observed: 5 h 10 min
